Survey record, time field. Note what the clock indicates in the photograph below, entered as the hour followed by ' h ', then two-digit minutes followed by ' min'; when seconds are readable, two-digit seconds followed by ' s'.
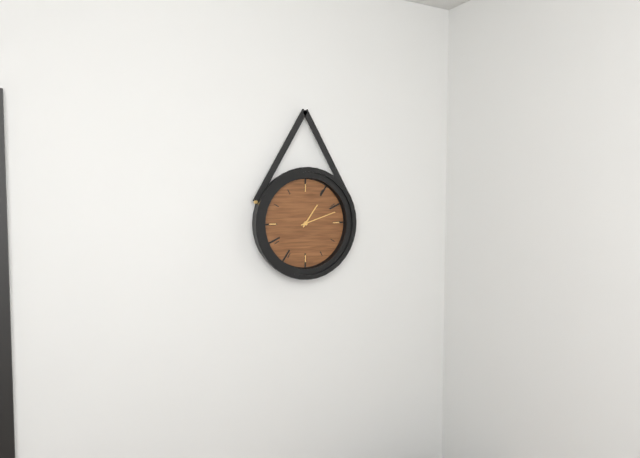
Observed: 1 h 12 min
